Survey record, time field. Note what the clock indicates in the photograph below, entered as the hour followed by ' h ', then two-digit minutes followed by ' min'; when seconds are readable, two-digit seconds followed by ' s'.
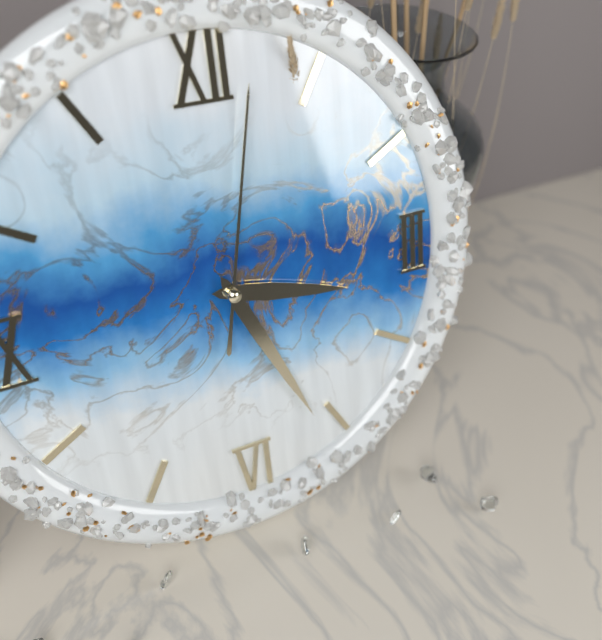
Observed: 3 h 26 min 02 s
